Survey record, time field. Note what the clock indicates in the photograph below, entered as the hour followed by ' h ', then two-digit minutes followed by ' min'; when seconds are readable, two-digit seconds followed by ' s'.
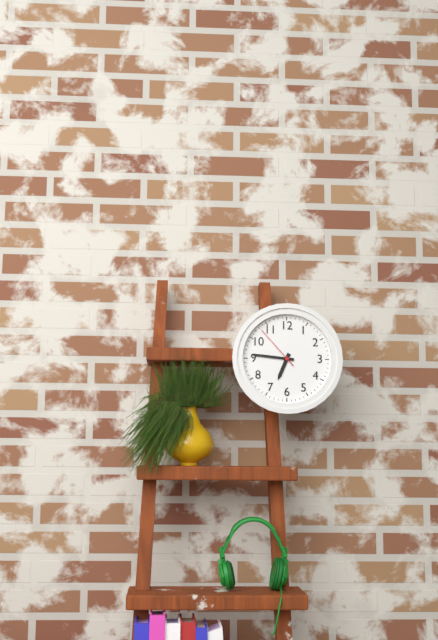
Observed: 6 h 46 min
